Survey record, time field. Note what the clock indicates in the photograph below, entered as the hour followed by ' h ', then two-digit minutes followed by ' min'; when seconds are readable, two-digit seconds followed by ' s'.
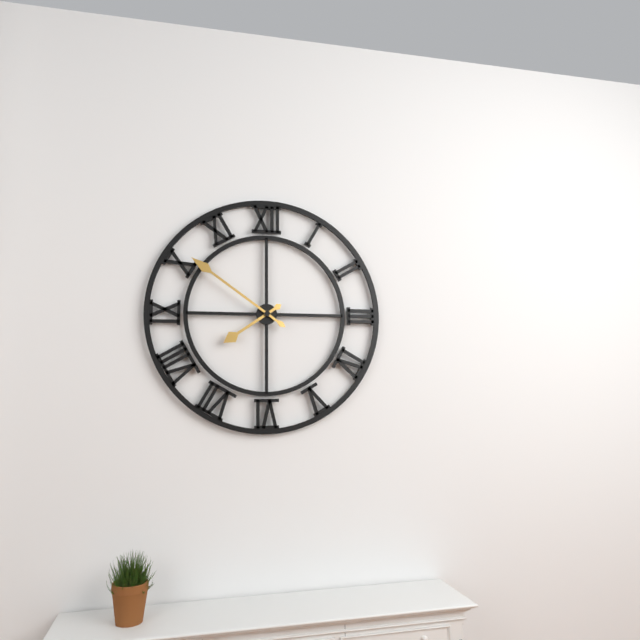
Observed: 7 h 51 min
